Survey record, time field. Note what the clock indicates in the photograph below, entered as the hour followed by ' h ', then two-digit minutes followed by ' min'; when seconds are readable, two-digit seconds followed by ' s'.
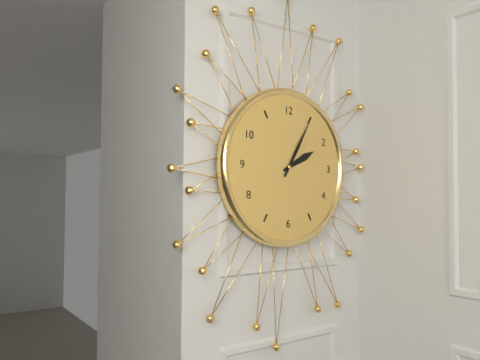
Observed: 2 h 05 min
